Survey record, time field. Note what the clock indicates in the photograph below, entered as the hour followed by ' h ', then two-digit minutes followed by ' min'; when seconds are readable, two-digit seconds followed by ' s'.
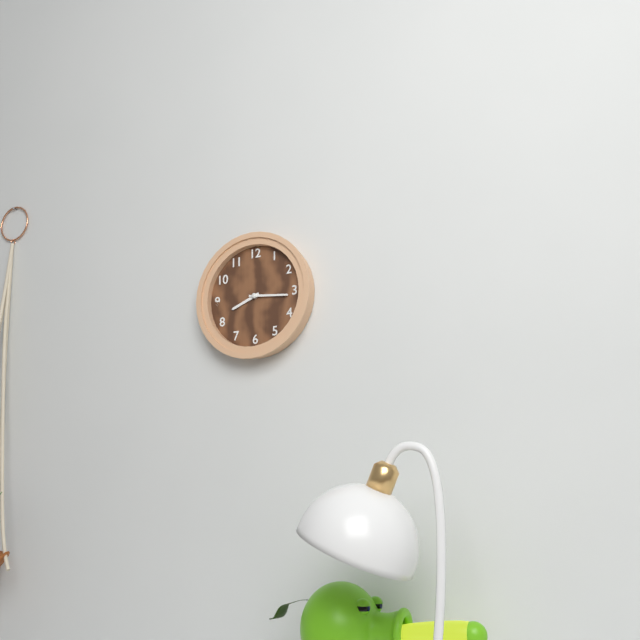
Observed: 8 h 16 min
